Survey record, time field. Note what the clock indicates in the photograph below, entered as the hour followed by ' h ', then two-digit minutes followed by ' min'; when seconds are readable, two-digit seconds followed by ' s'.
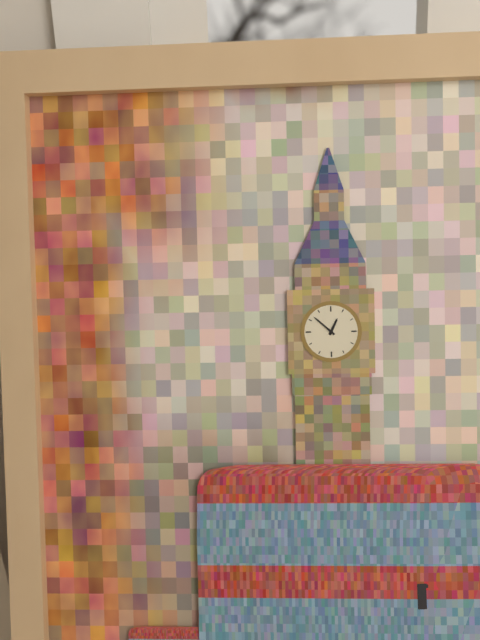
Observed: 12 h 52 min
